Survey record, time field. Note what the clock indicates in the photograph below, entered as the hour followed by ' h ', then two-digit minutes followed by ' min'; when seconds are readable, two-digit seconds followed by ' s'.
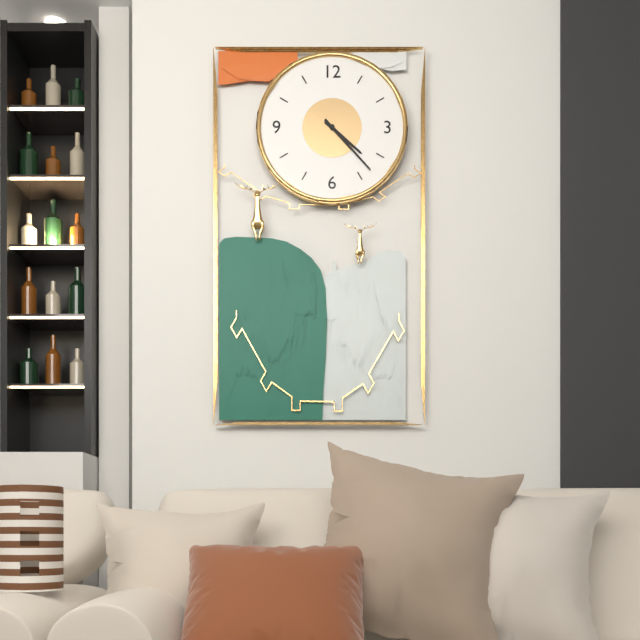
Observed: 4 h 23 min
